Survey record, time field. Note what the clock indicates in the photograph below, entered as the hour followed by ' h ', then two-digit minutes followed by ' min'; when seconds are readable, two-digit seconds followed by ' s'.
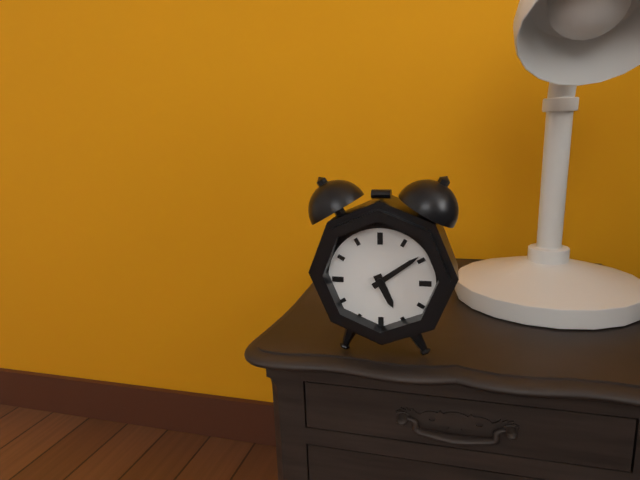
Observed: 5 h 09 min
